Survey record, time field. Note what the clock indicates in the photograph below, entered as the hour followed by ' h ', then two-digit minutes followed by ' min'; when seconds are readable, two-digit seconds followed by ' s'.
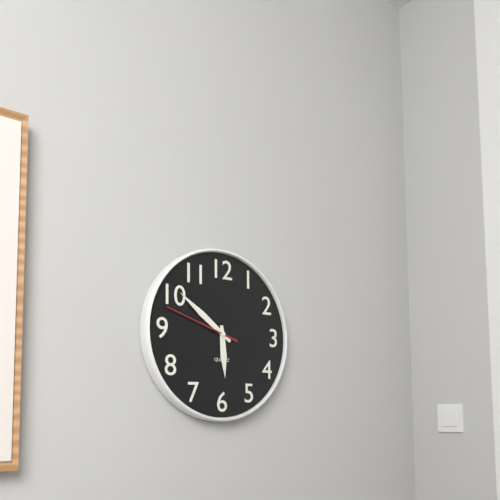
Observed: 5 h 51 min 48 s
